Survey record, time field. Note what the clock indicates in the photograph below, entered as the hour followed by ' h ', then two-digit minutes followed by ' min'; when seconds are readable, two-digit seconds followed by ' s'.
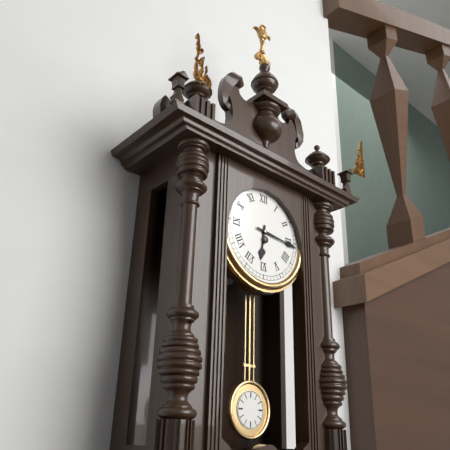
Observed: 6 h 16 min
